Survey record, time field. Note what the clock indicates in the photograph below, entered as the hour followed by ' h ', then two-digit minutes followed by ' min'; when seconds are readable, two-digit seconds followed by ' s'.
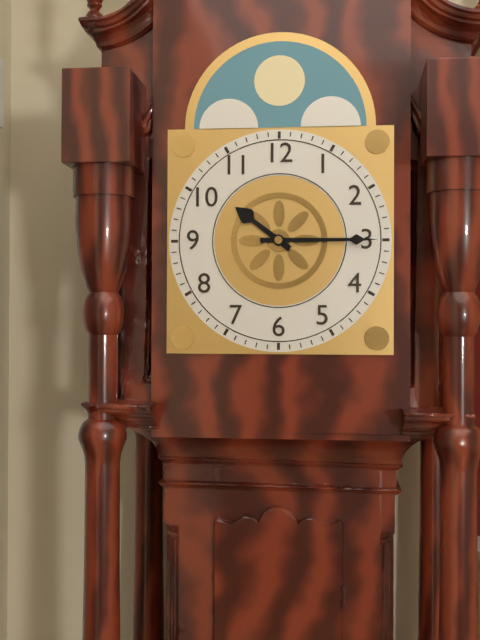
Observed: 10 h 15 min
